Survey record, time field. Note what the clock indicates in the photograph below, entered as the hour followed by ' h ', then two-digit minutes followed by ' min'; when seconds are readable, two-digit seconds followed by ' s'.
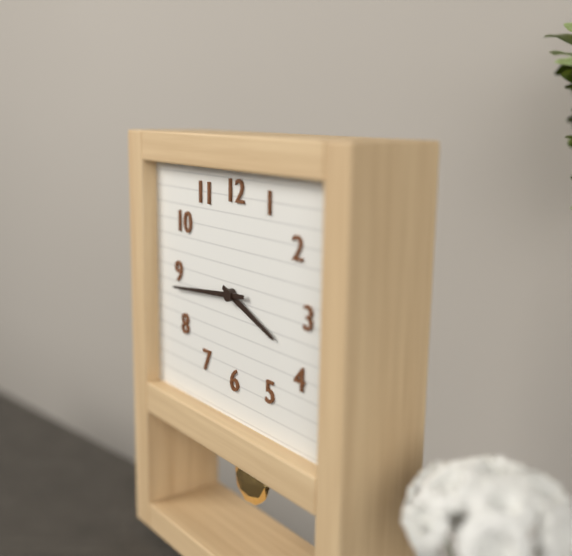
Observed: 3 h 44 min
